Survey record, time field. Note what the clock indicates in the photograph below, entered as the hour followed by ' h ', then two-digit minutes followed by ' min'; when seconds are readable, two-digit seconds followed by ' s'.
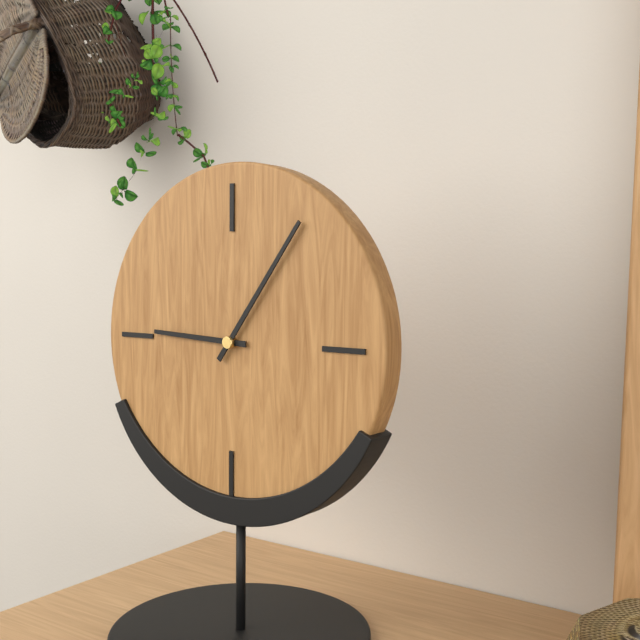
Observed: 9 h 06 min
